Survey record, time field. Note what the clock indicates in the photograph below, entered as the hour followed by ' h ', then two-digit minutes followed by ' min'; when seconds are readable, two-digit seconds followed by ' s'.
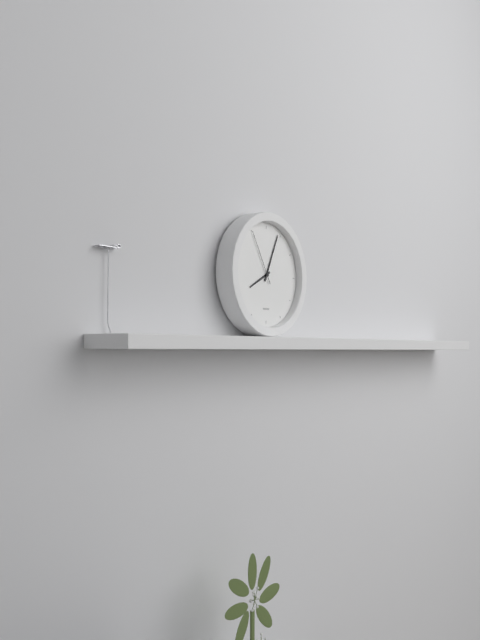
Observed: 8 h 04 min 55 s
